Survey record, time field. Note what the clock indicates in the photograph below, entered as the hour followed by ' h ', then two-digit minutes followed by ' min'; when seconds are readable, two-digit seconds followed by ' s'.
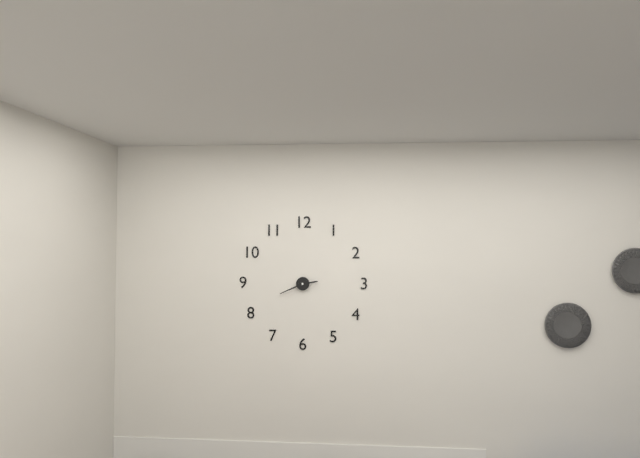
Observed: 2 h 41 min
